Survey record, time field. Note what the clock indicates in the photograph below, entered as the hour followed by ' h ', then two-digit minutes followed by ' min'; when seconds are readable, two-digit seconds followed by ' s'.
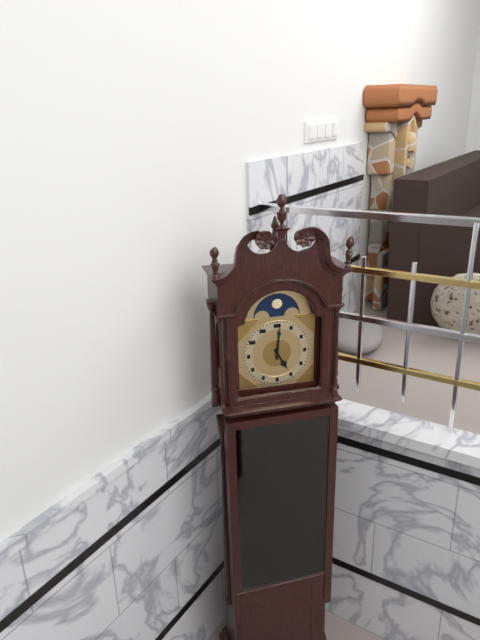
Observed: 5 h 01 min
